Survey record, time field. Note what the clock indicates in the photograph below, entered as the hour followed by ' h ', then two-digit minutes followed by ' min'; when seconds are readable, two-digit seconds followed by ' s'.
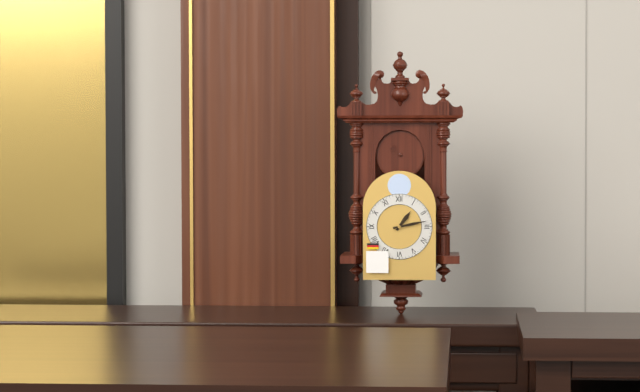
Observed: 1 h 13 min
